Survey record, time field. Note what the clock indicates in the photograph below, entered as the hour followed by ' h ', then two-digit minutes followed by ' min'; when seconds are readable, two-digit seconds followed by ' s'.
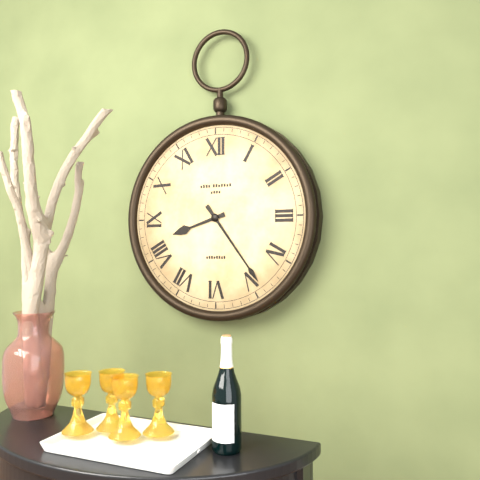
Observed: 8 h 24 min
